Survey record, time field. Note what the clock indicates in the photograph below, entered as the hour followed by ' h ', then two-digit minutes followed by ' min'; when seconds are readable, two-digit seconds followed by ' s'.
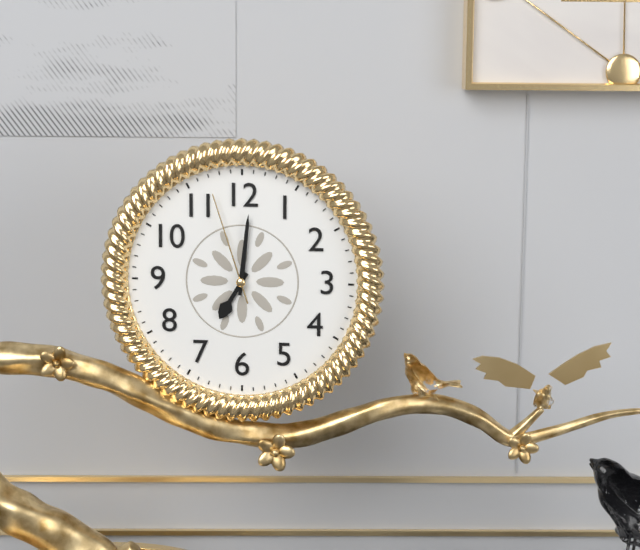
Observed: 7 h 01 min 57 s
